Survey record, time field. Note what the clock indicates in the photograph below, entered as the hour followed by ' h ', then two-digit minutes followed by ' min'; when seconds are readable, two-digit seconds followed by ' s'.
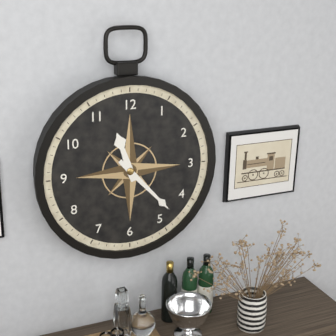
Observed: 11 h 23 min
